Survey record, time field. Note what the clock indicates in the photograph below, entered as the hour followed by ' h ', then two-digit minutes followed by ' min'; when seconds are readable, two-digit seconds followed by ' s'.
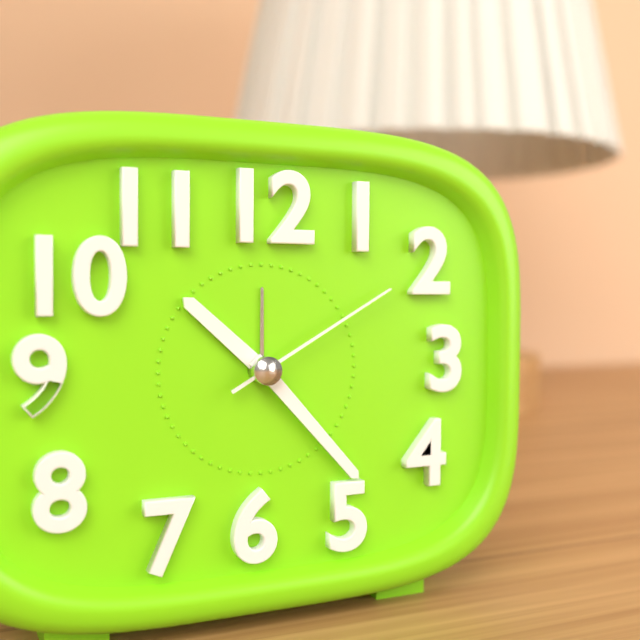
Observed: 10 h 23 min 10 s
